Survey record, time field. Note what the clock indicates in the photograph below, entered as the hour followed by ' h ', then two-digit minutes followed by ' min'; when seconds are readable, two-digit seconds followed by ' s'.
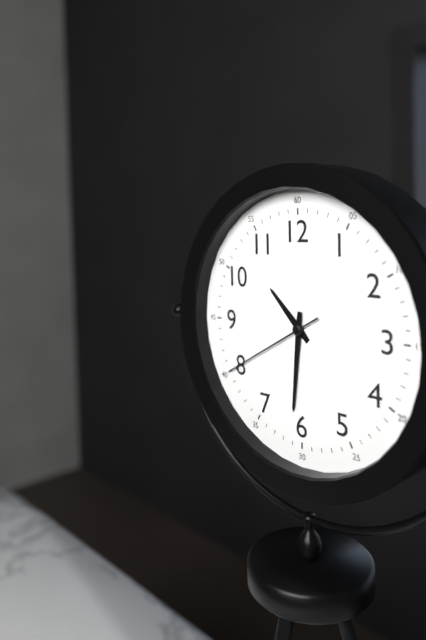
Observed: 10 h 31 min 40 s
